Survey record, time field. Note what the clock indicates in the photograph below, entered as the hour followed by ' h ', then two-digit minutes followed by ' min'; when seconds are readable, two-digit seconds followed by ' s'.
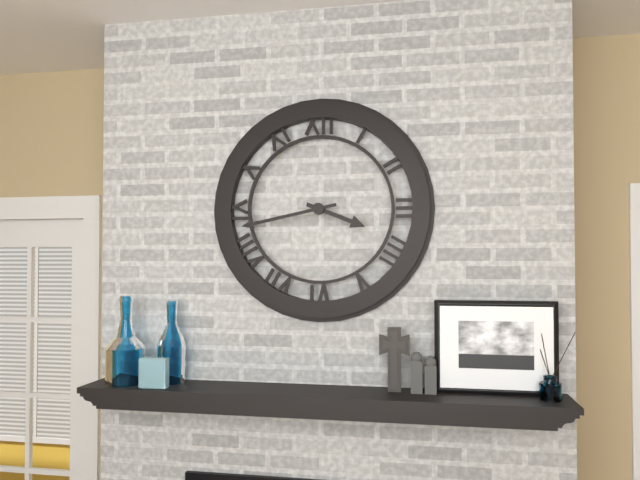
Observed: 3 h 43 min
